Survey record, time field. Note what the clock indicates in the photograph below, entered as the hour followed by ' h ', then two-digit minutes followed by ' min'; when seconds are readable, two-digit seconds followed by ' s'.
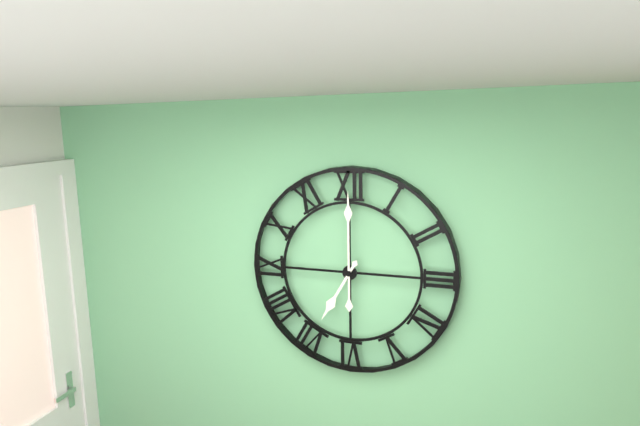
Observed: 7 h 00 min
